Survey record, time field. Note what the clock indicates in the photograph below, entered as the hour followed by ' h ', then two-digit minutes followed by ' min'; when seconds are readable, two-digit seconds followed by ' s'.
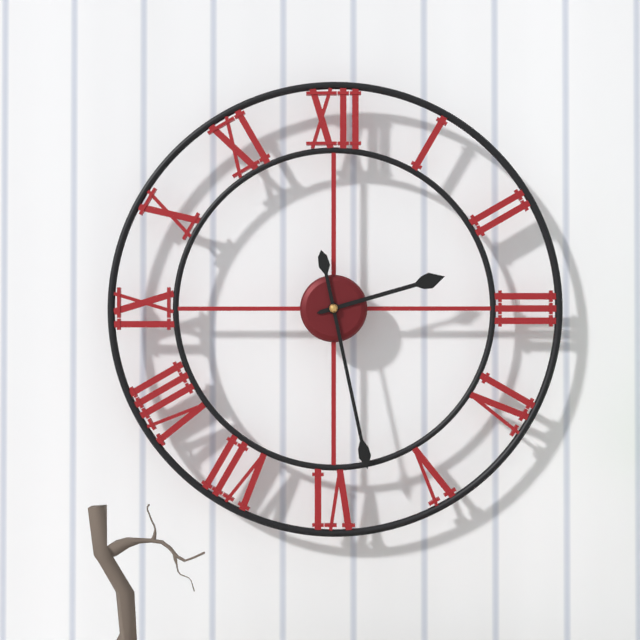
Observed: 2 h 28 min
